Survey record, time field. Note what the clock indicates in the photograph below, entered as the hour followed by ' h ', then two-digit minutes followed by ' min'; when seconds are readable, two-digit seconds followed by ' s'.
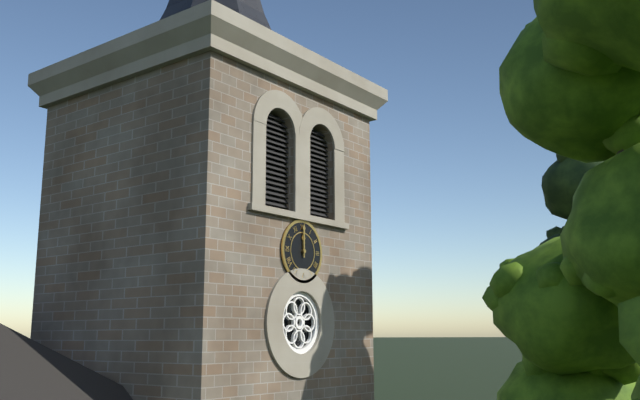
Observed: 12 h 00 min
